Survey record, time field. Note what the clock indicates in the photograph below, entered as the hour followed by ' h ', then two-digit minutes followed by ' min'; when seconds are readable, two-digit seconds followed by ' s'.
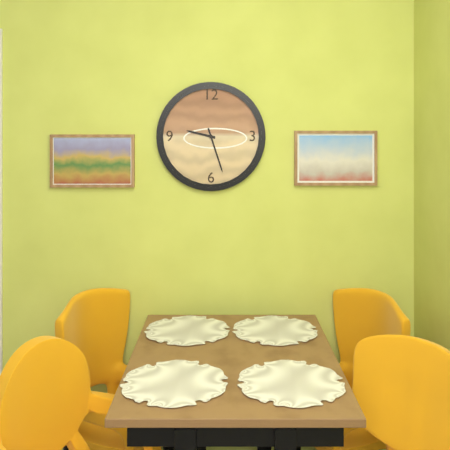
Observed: 9 h 27 min
